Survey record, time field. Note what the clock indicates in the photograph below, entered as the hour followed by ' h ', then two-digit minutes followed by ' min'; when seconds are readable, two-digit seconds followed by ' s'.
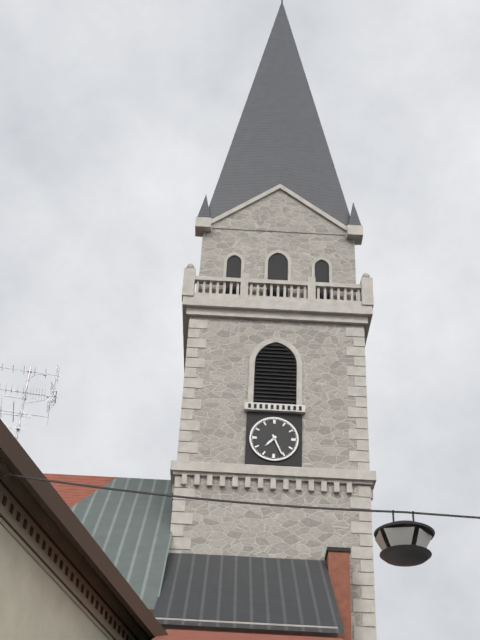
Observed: 7 h 26 min
